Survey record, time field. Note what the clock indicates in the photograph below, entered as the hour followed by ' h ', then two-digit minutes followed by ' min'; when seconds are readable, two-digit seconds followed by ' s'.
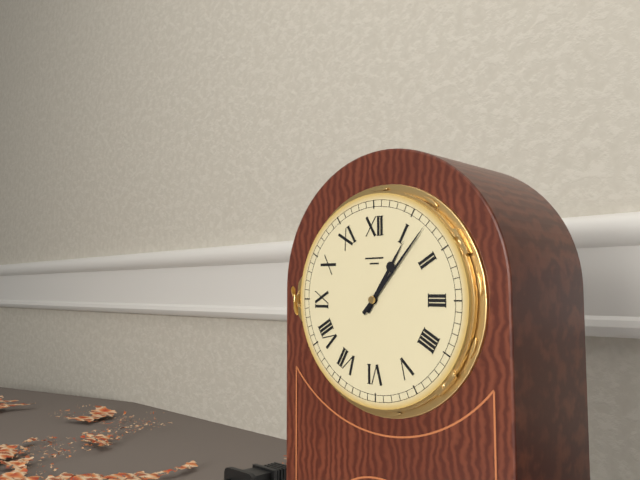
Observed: 1 h 07 min
